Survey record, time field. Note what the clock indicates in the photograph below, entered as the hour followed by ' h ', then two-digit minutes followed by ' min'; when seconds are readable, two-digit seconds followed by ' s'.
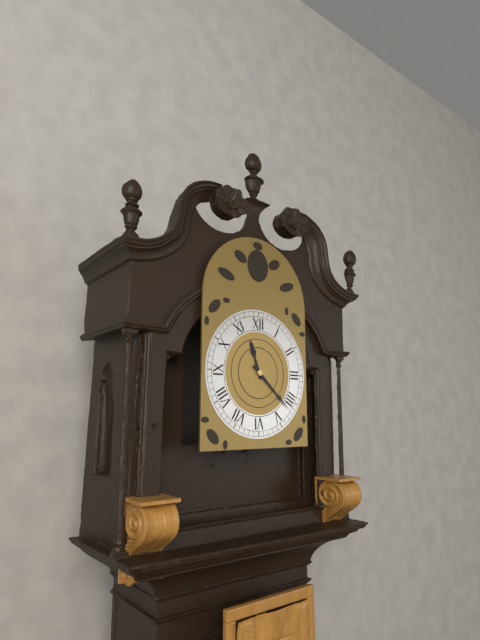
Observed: 11 h 22 min
